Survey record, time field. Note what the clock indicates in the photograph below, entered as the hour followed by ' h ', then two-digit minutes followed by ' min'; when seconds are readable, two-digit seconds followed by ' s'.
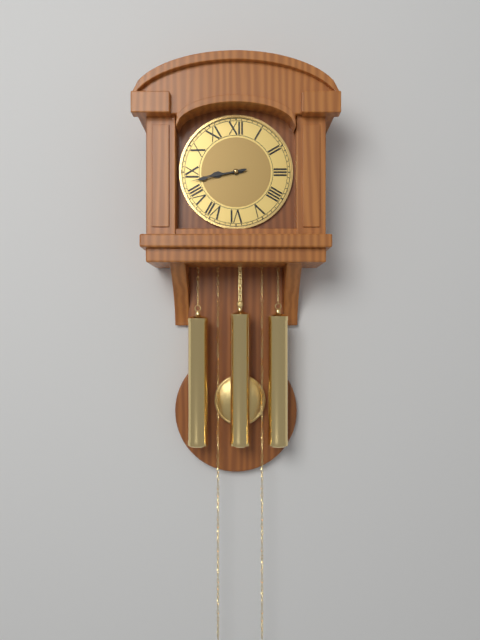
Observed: 8 h 43 min
